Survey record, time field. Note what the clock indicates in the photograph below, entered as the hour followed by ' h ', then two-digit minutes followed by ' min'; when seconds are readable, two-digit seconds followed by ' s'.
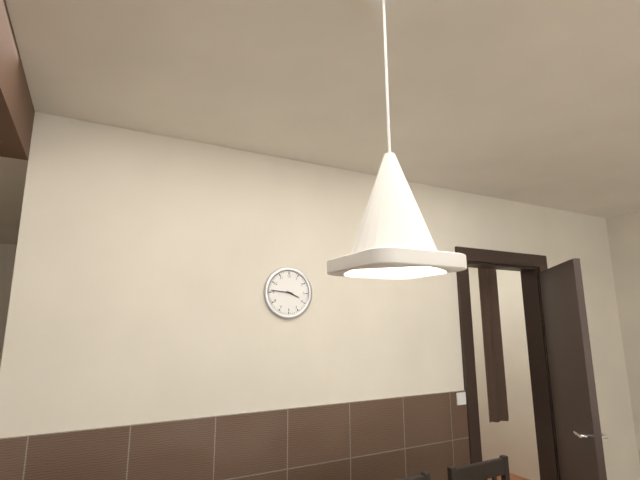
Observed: 3 h 46 min
